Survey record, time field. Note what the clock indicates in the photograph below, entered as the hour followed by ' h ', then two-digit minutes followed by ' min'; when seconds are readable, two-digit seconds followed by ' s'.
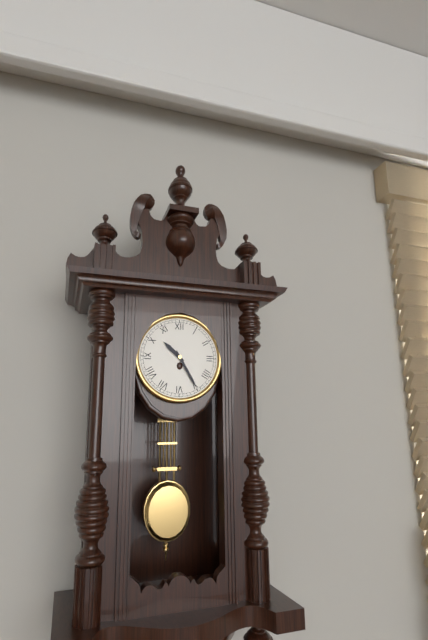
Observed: 10 h 25 min
